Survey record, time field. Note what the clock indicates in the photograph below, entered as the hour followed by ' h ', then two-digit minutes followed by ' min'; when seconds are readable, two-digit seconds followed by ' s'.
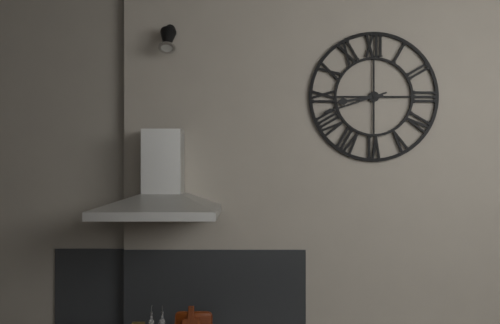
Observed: 8 h 42 min
